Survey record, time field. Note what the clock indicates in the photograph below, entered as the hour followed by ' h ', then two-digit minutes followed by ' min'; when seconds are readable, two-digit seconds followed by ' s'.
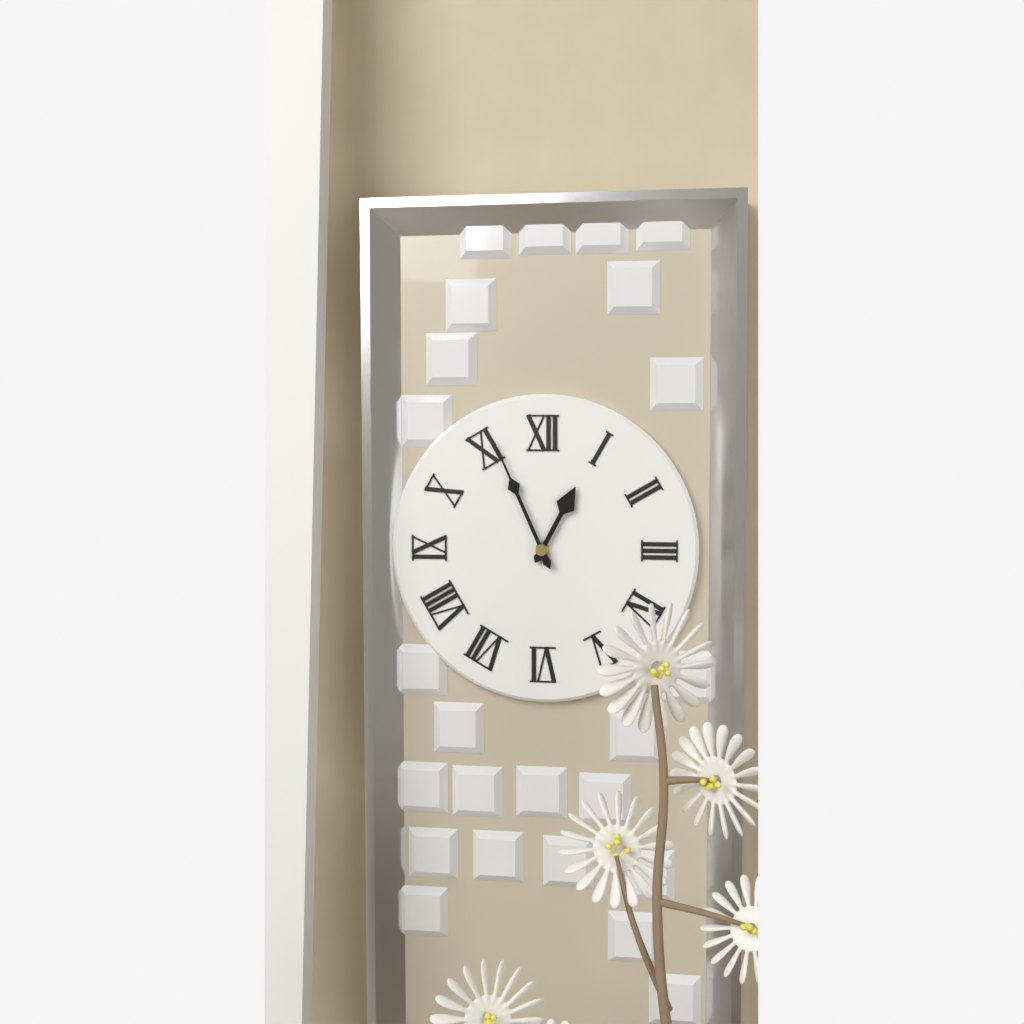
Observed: 12 h 56 min
